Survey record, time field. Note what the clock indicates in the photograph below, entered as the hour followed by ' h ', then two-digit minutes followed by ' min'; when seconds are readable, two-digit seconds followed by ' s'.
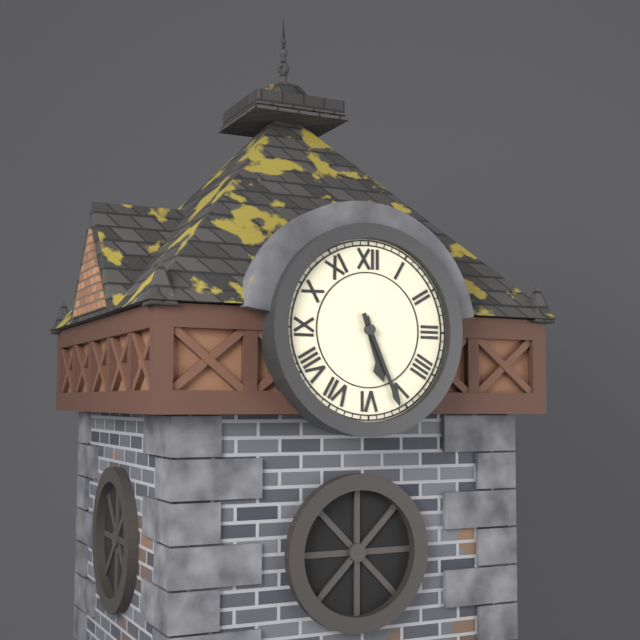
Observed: 5 h 26 min
